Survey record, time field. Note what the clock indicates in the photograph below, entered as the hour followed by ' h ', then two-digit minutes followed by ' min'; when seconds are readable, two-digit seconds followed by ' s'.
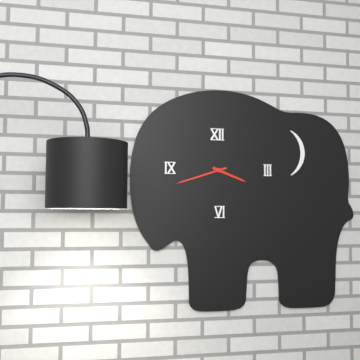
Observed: 3 h 42 min
